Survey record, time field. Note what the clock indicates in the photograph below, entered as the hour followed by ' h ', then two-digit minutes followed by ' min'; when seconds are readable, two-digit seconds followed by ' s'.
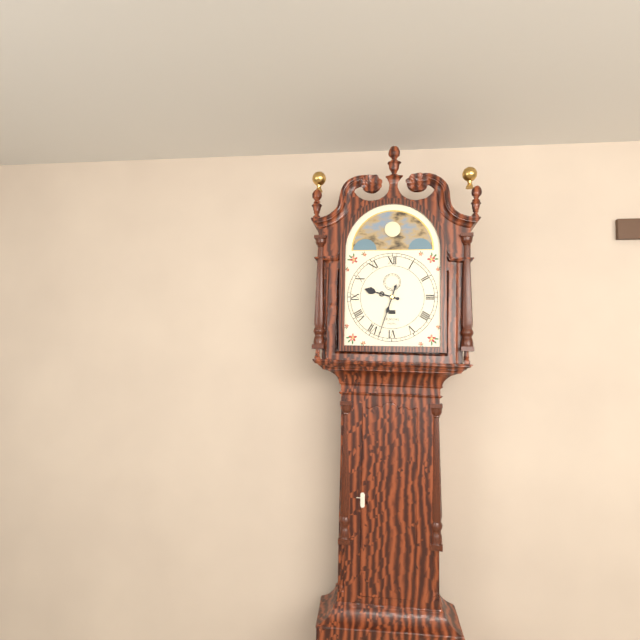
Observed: 9 h 33 min
